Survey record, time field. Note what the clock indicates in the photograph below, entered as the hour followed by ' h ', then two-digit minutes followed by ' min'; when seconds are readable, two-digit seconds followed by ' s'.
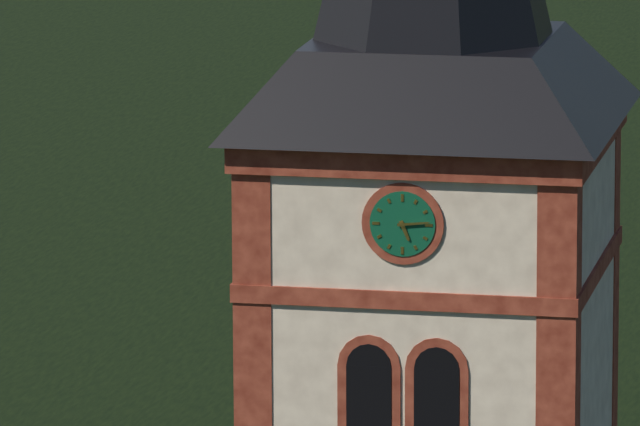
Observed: 5 h 14 min
